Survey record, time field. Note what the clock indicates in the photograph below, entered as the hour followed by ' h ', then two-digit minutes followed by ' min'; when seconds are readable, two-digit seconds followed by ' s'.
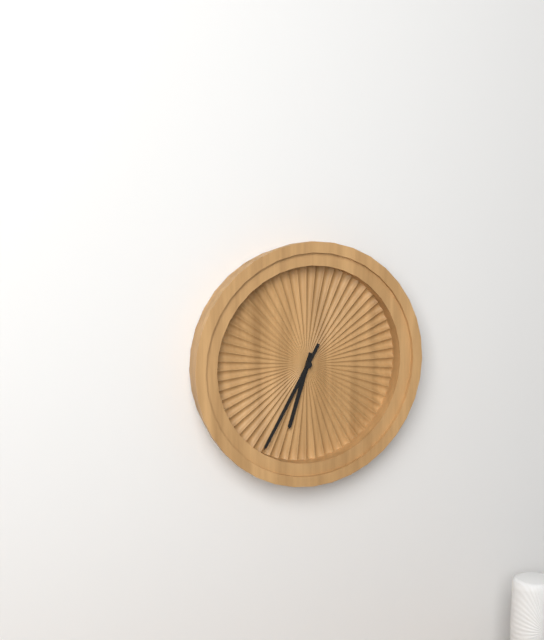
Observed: 6 h 35 min
